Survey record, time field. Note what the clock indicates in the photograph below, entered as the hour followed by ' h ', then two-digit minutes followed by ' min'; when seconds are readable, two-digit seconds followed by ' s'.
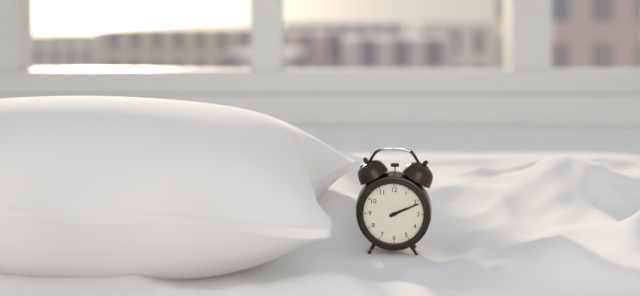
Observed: 2 h 11 min
